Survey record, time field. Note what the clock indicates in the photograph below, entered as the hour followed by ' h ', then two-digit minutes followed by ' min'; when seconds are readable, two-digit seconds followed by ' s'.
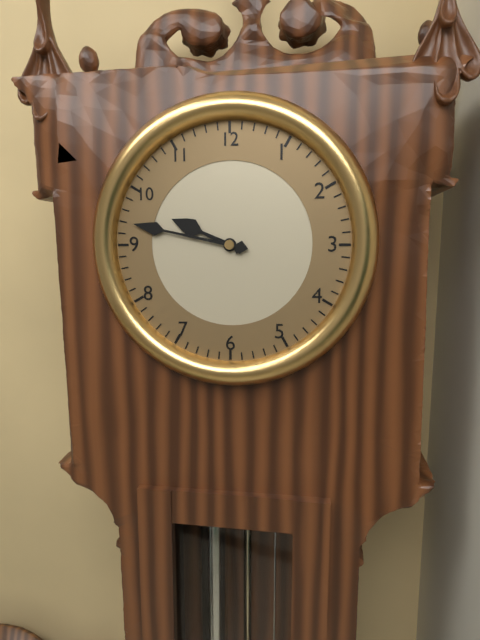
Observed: 9 h 47 min
